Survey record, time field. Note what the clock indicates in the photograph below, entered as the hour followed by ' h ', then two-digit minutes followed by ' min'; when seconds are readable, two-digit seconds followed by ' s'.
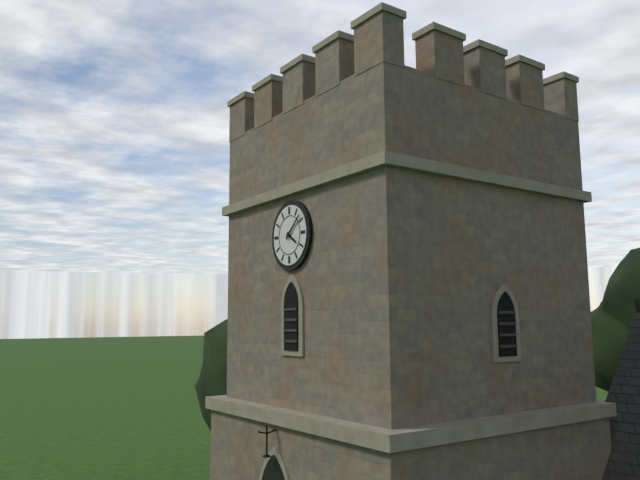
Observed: 4 h 08 min
